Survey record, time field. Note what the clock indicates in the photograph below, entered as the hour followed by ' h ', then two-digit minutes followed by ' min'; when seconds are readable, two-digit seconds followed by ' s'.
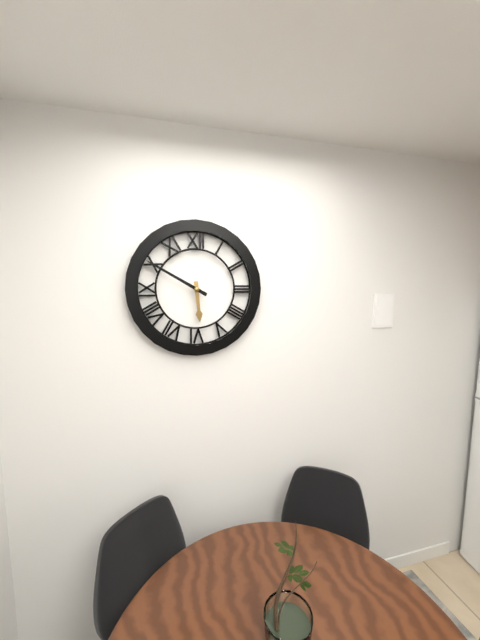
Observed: 5 h 50 min
